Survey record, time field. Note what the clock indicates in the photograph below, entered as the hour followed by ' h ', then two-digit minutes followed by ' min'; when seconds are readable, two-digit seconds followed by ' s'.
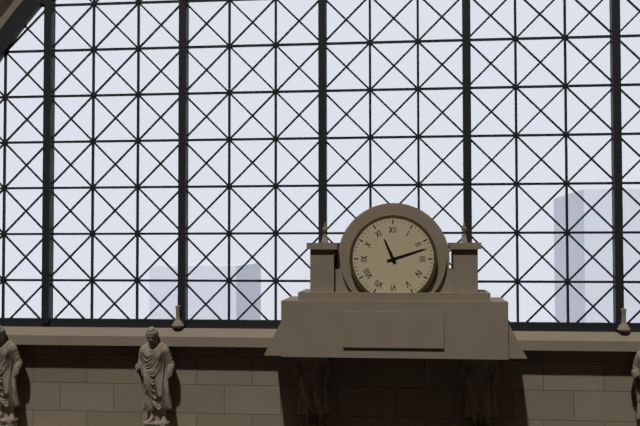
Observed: 11 h 12 min
